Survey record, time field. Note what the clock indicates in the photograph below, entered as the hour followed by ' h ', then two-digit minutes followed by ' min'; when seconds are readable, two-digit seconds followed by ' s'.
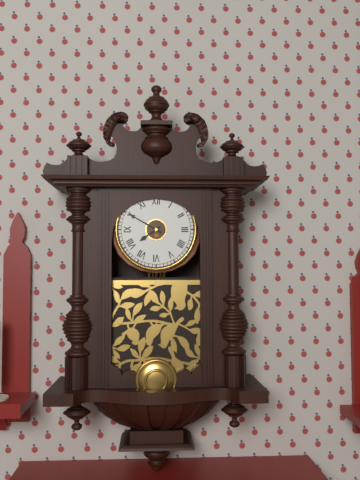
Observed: 7 h 50 min
